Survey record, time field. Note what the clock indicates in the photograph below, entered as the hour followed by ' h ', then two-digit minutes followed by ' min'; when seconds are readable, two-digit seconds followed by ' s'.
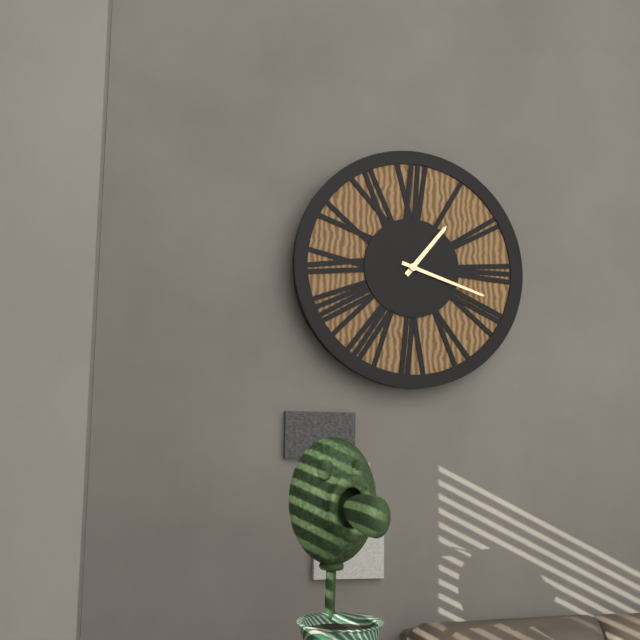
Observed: 1 h 18 min
